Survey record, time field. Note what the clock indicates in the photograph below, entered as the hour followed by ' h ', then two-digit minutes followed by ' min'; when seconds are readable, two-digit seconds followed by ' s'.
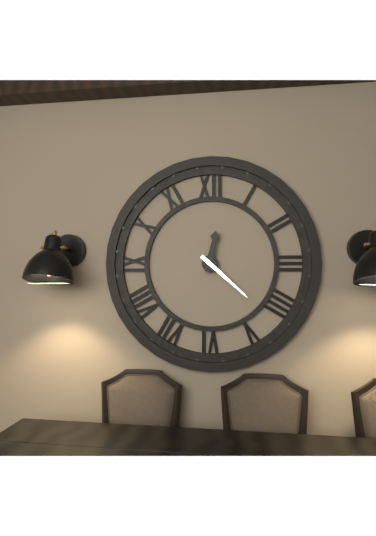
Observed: 12 h 22 min
